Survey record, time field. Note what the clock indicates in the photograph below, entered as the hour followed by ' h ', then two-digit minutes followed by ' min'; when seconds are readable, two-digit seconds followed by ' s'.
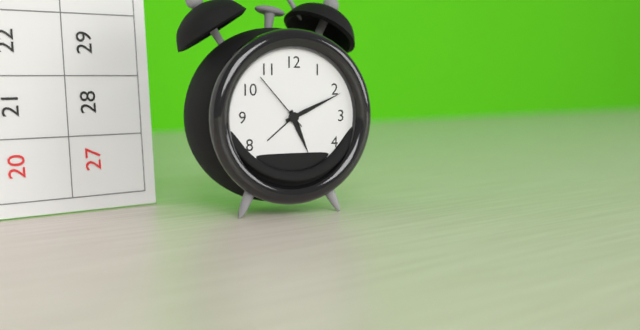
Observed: 5 h 11 min 53 s
